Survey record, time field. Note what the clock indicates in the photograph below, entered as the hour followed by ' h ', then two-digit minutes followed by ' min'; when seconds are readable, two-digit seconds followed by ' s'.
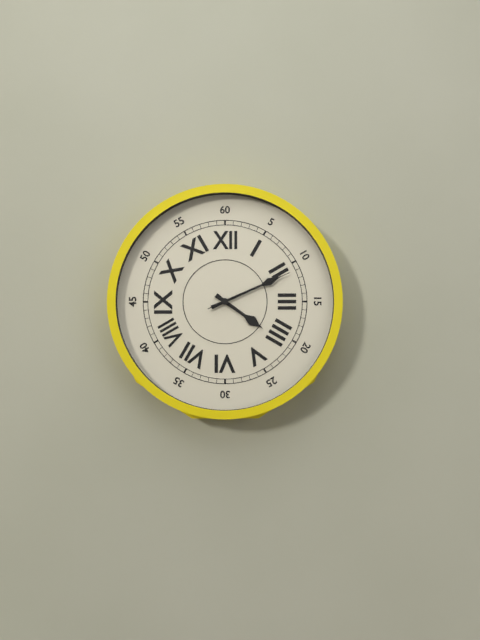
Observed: 4 h 11 min 11 s
